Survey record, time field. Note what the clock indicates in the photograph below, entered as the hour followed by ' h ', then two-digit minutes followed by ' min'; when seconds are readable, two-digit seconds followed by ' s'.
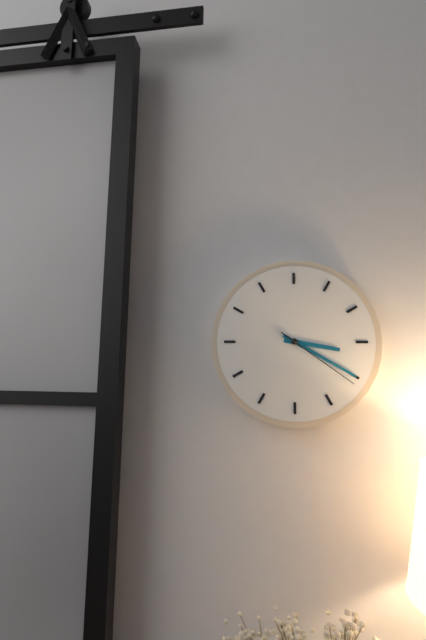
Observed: 3 h 20 min 21 s
